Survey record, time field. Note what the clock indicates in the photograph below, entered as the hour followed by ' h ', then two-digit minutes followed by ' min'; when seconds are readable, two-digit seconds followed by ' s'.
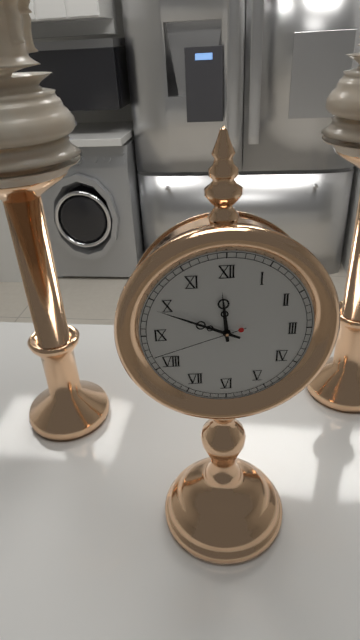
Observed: 11 h 49 min 42 s
